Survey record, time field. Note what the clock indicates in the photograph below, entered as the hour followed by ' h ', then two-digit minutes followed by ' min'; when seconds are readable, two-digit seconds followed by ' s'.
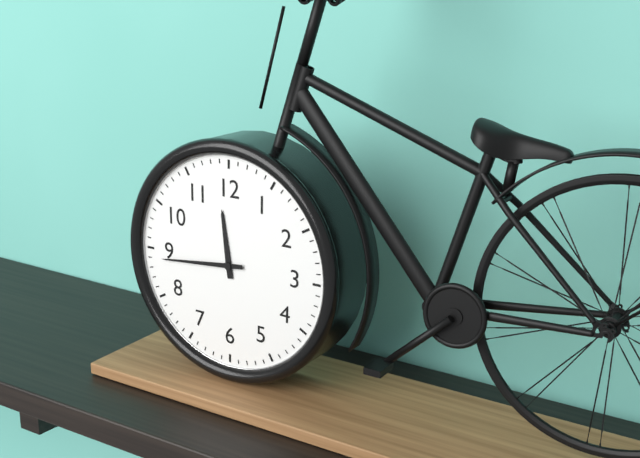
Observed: 11 h 44 min
